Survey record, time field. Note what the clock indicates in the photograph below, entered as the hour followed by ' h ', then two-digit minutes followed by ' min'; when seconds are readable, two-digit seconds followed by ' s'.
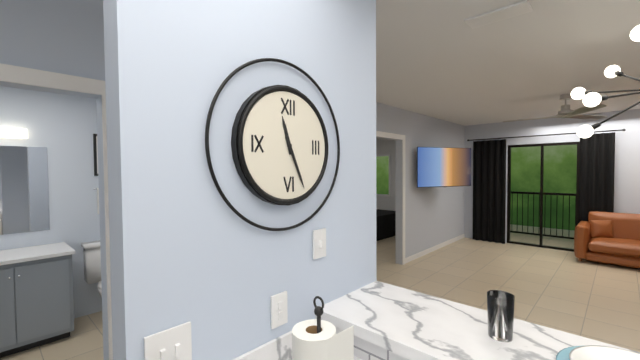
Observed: 11 h 26 min
